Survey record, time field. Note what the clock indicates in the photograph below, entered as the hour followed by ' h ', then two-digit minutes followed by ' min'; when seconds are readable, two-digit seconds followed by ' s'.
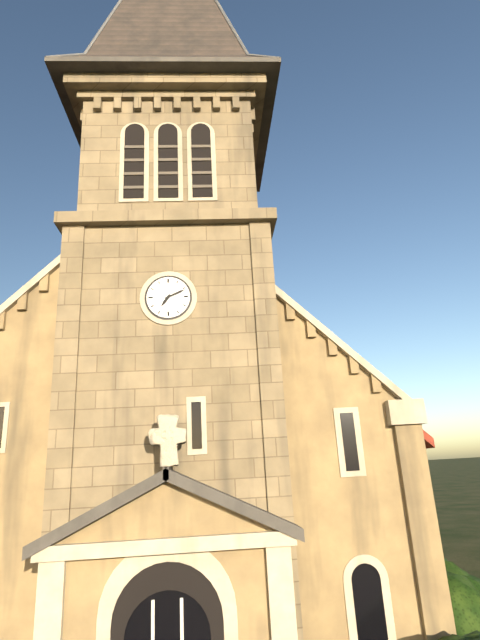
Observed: 7 h 11 min
